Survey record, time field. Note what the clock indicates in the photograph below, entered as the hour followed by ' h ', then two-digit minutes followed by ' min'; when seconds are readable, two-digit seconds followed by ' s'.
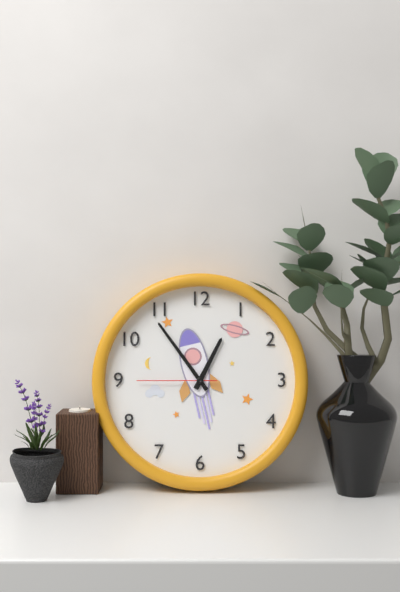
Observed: 12 h 54 min 45 s
